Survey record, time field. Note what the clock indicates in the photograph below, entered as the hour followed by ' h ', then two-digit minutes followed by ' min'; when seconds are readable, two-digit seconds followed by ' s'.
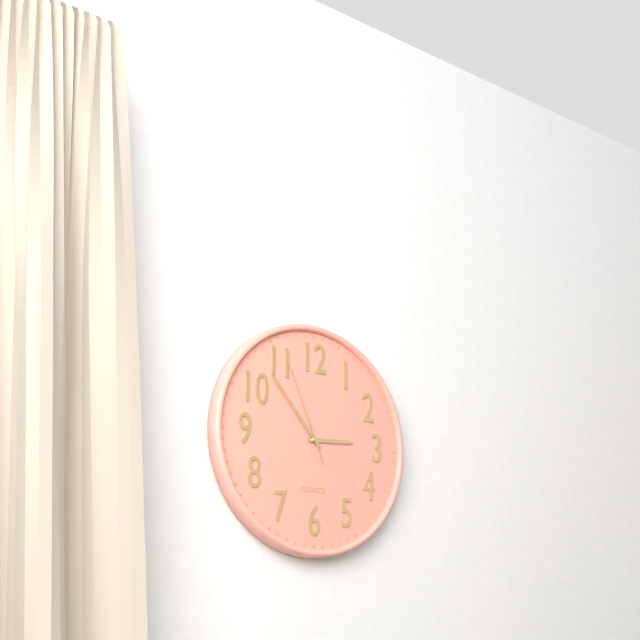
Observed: 2 h 53 min 56 s
